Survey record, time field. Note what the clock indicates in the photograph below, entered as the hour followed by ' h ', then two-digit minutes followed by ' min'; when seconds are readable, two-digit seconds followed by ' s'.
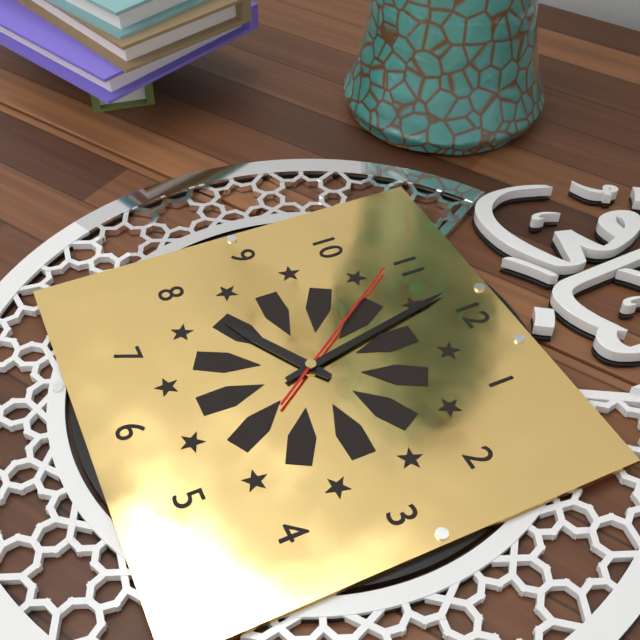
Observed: 7 h 58 min 54 s
